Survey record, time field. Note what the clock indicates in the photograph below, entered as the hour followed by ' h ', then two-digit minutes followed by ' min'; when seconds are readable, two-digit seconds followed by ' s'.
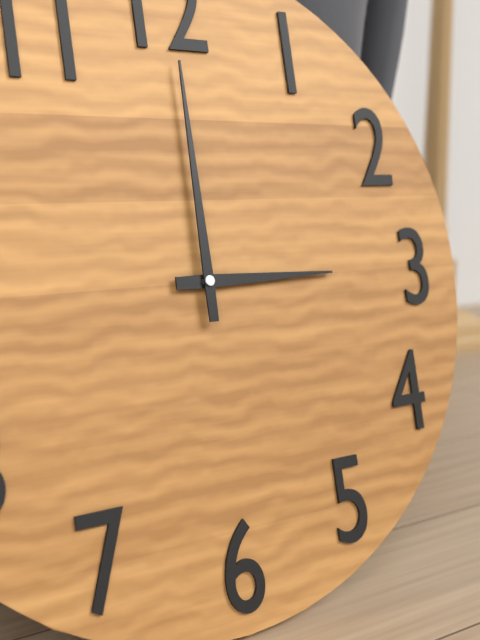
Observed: 3 h 00 min
